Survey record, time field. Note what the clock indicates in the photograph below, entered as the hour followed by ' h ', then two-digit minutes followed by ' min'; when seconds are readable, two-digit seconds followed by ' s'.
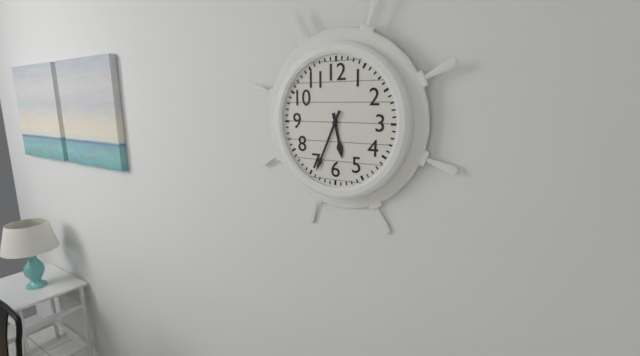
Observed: 5 h 34 min
